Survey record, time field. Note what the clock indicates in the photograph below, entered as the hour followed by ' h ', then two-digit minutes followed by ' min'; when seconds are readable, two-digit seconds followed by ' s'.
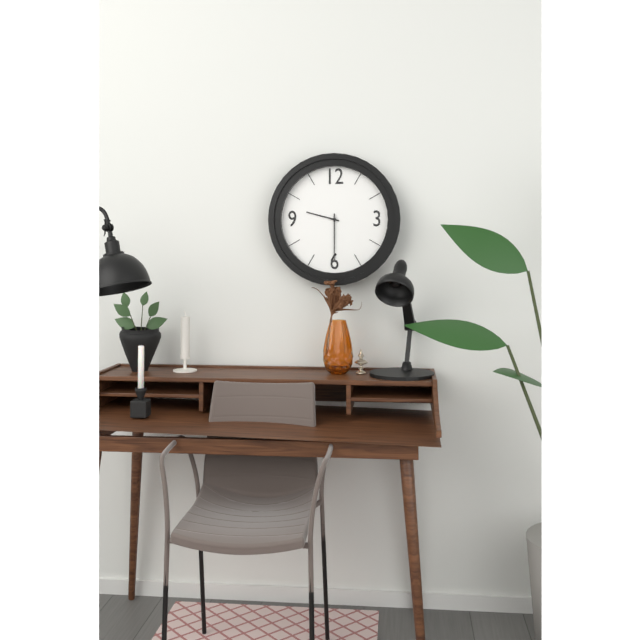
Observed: 9 h 30 min
